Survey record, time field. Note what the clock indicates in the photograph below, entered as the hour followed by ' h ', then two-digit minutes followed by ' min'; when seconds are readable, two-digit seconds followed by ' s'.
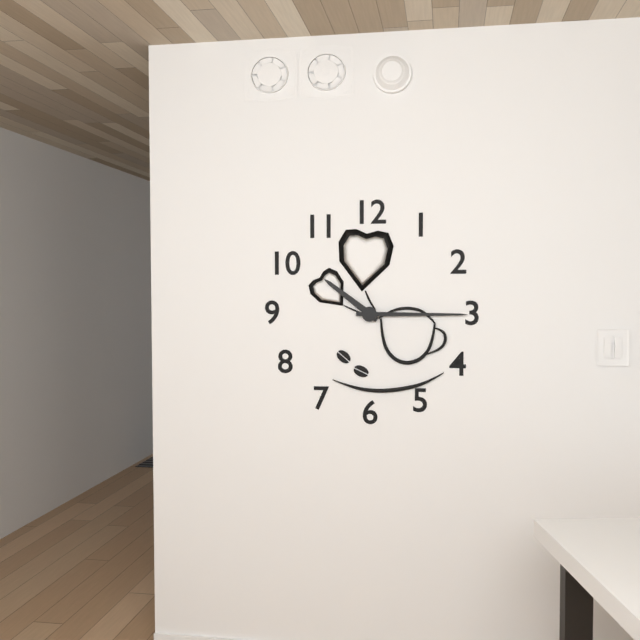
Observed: 10 h 15 min
